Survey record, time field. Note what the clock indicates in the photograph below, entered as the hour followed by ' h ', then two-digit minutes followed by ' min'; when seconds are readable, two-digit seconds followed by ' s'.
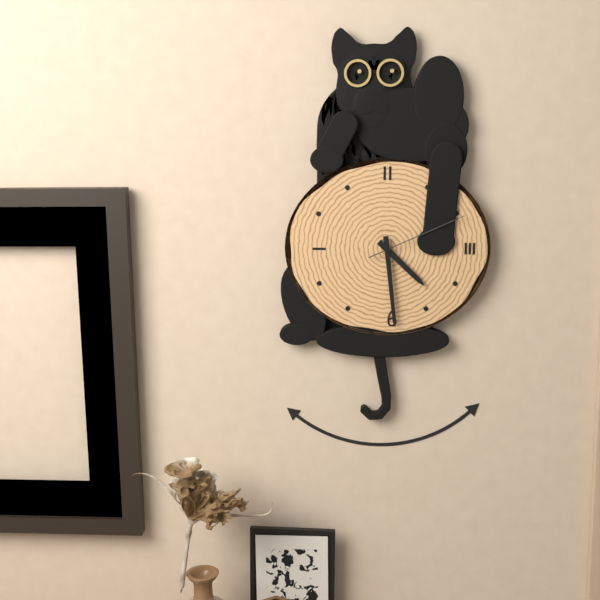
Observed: 4 h 29 min 11 s
